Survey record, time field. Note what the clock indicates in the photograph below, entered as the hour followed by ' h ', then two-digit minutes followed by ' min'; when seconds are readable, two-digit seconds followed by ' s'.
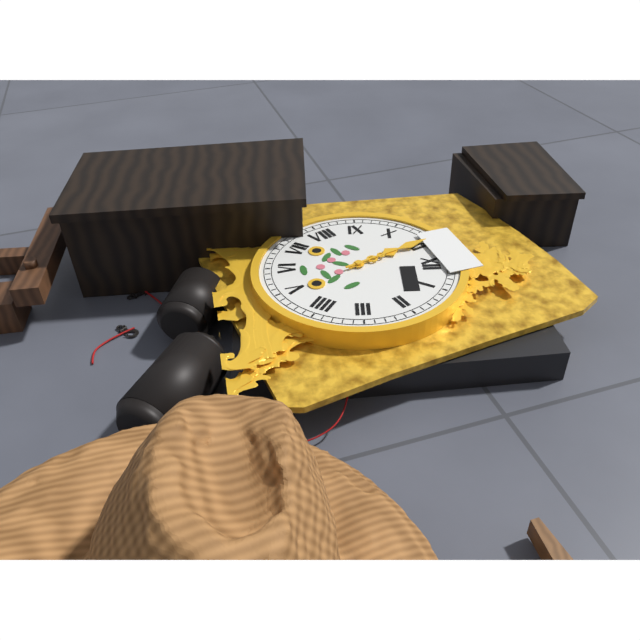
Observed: 10 h 55 min
